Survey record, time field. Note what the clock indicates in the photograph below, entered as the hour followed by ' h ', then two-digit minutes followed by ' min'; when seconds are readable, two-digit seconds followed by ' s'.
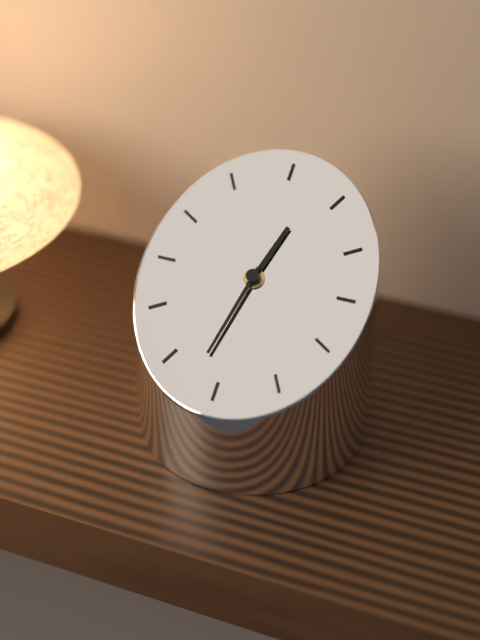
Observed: 12 h 32 min
